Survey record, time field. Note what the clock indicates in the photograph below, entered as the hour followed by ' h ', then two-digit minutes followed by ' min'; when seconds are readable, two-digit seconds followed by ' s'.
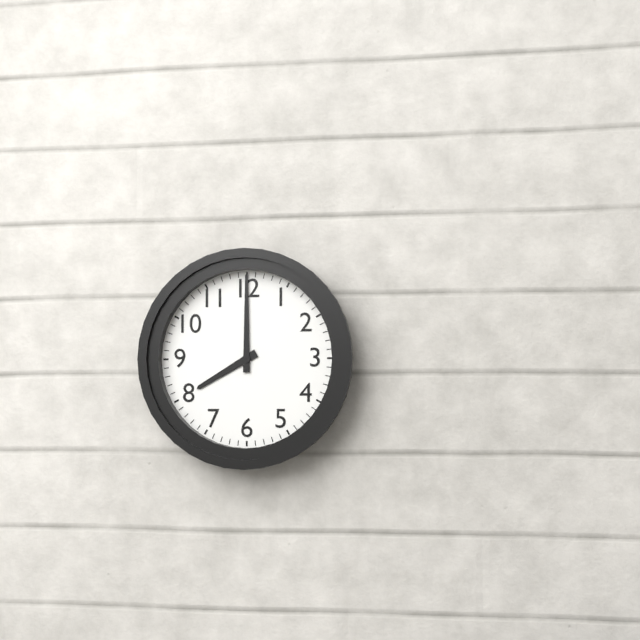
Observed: 8 h 00 min
